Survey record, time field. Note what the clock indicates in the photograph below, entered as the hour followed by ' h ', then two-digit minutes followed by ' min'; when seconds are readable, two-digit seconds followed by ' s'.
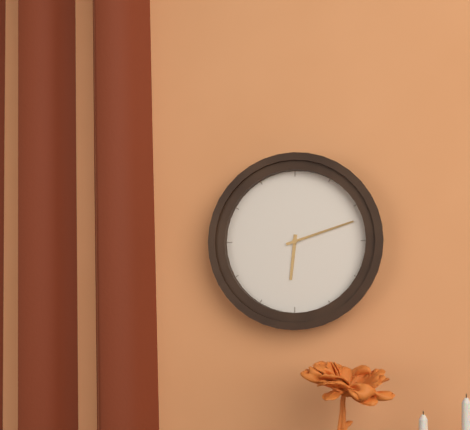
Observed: 6 h 12 min
